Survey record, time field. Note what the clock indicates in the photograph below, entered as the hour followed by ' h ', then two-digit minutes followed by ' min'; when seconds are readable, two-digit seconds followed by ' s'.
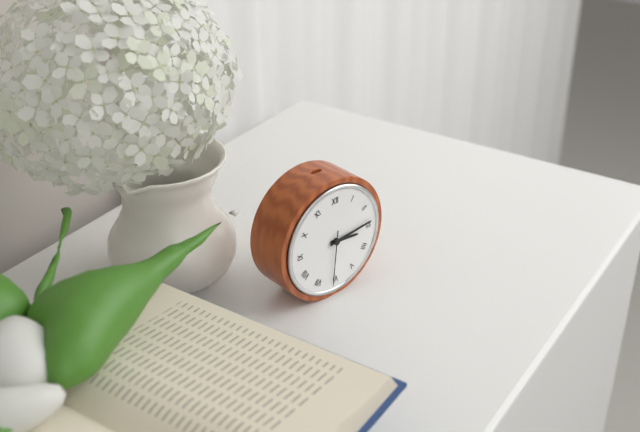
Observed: 3 h 14 min 31 s
